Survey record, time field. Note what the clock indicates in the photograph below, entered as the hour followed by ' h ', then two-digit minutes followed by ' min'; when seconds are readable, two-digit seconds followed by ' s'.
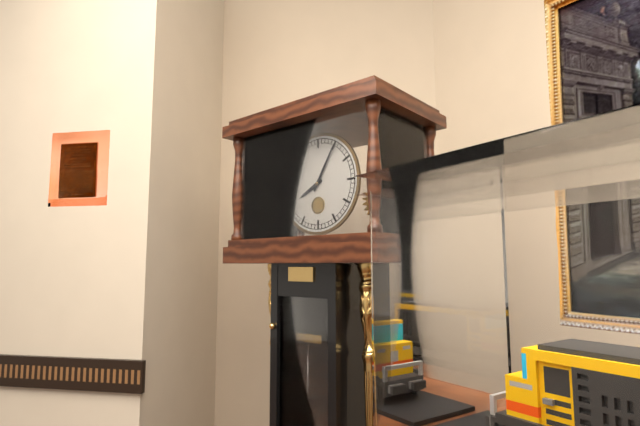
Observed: 8 h 05 min
